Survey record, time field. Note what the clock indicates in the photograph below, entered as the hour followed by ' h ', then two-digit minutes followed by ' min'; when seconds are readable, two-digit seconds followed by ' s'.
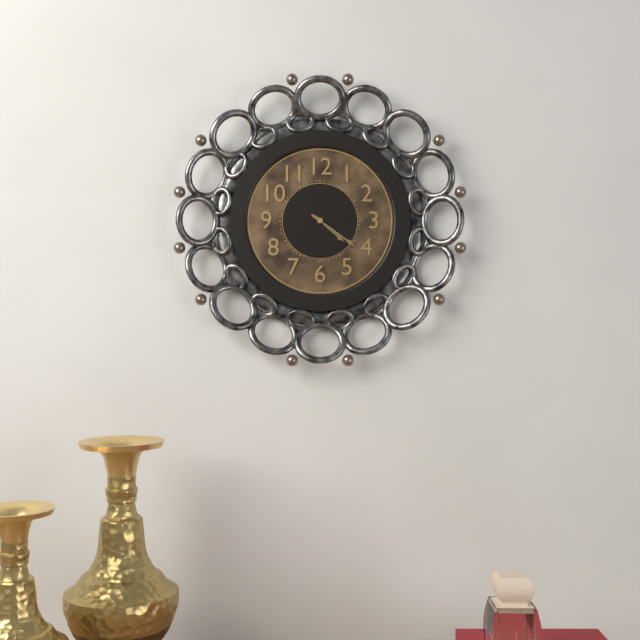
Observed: 4 h 21 min
